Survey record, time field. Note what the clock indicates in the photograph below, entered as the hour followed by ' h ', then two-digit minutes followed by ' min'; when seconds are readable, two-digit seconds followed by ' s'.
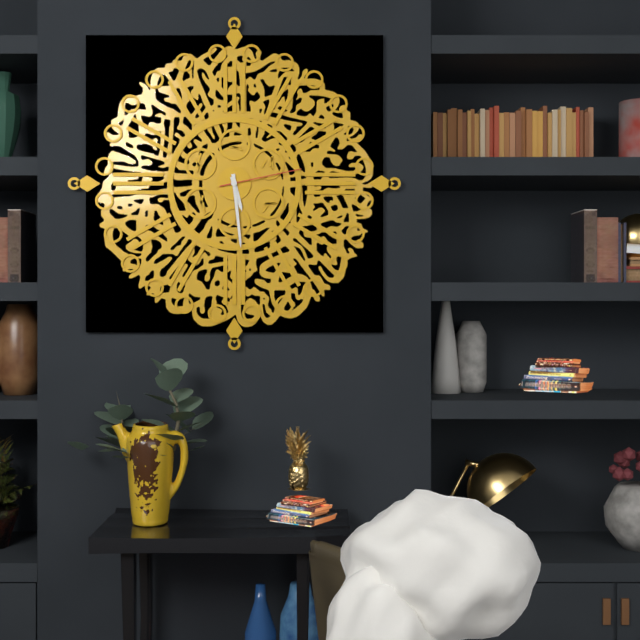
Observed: 5 h 29 min 13 s
